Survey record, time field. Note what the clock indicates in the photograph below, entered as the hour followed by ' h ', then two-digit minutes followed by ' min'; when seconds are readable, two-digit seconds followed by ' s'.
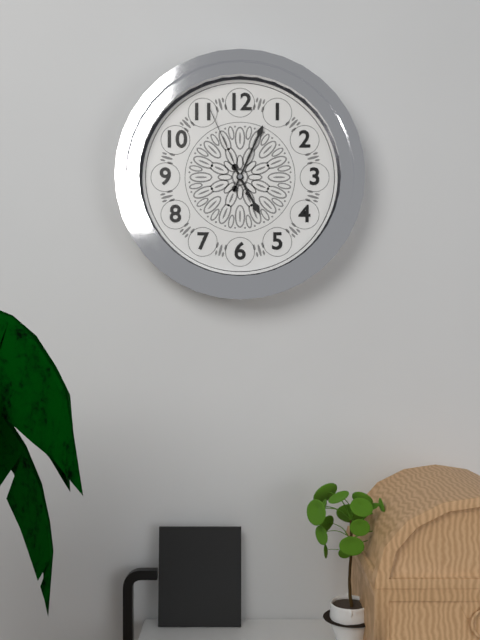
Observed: 5 h 04 min 56 s
